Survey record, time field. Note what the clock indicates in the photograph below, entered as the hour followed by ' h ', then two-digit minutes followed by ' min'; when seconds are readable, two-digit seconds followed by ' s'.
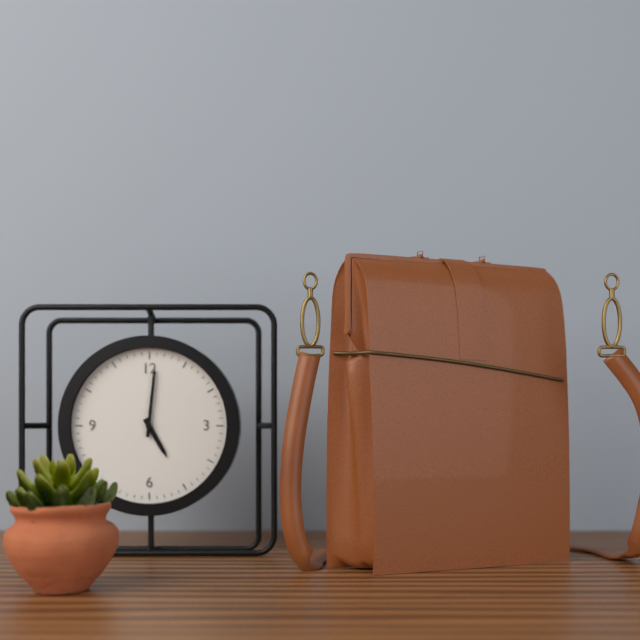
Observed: 5 h 01 min
